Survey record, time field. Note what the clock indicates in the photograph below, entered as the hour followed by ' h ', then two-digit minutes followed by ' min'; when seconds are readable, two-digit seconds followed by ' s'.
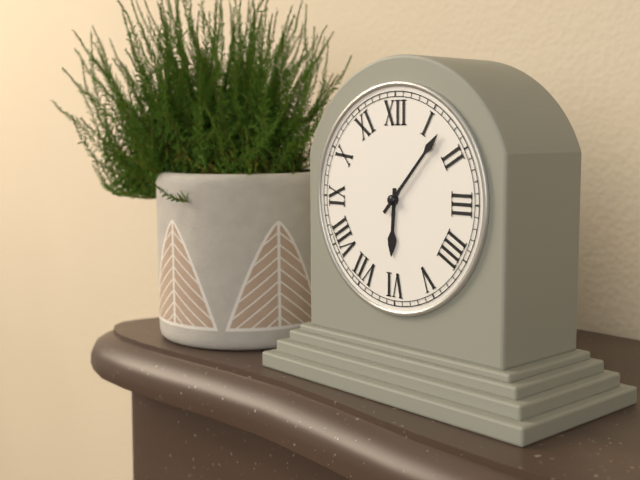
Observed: 6 h 07 min
